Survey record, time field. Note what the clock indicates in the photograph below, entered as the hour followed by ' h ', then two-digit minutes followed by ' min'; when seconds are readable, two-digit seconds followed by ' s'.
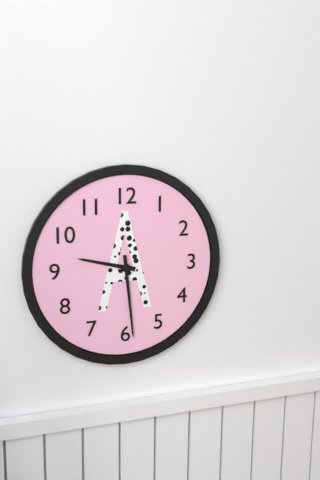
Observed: 9 h 29 min
